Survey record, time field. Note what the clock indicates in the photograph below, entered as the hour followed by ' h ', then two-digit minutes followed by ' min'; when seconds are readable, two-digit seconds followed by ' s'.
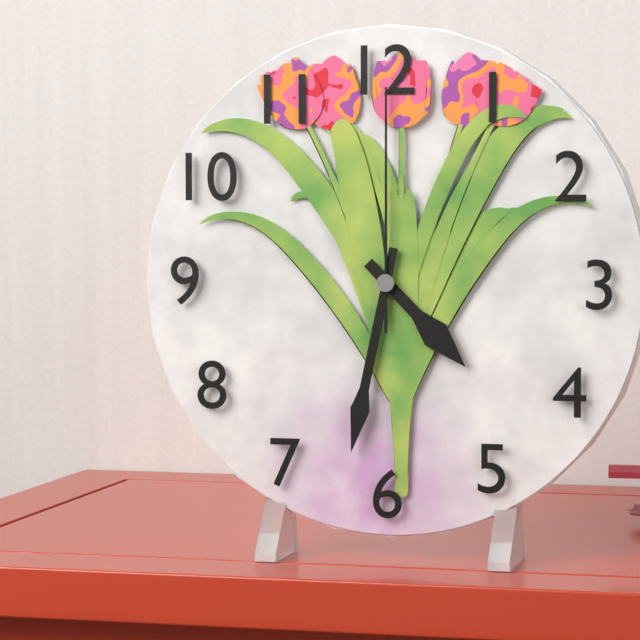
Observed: 4 h 32 min 00 s
